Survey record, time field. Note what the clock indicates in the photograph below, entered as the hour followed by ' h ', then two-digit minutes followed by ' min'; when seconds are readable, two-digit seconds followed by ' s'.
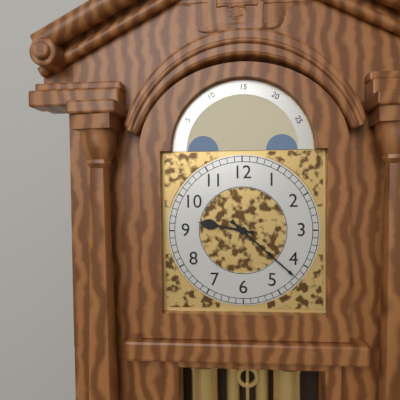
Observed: 9 h 22 min
